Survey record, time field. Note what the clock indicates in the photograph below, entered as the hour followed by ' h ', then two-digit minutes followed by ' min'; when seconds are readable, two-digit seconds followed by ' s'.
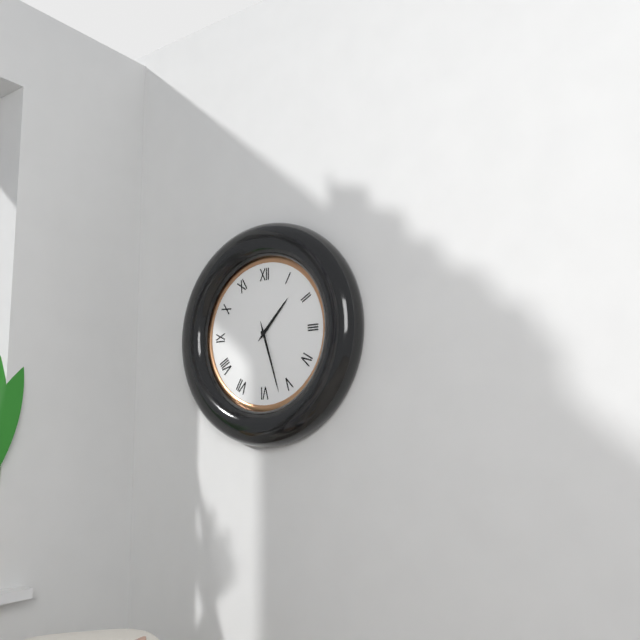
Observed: 1 h 27 min
